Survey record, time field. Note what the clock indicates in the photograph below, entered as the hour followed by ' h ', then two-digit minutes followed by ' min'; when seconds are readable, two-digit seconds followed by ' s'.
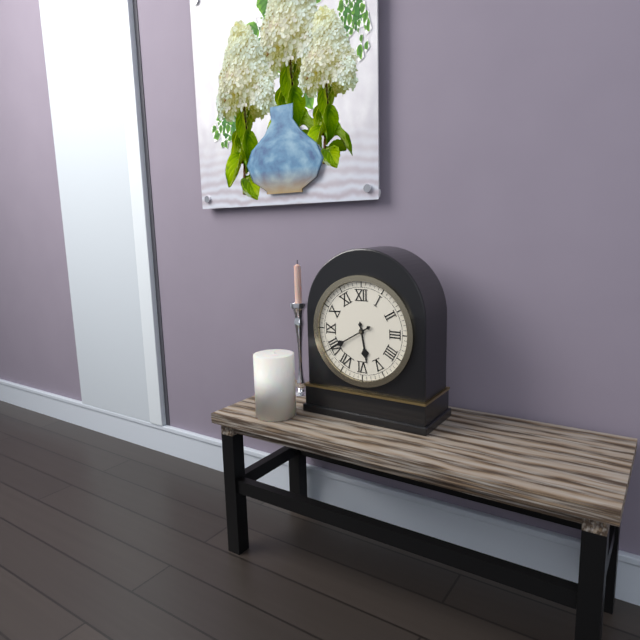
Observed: 5 h 40 min
